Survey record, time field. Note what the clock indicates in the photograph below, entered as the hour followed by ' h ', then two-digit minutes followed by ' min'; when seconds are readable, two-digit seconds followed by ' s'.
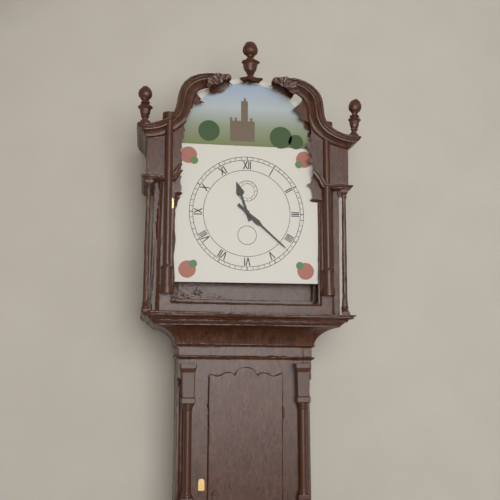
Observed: 11 h 22 min
